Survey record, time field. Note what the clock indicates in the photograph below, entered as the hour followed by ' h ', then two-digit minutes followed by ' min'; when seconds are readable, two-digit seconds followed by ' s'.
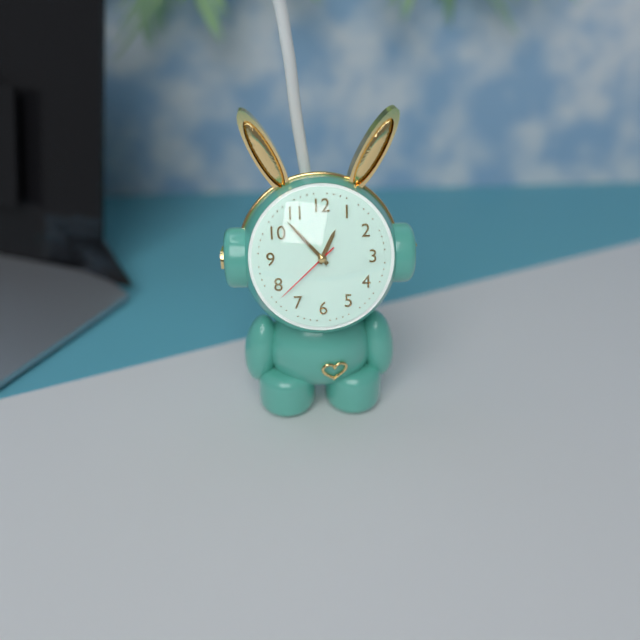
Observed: 12 h 53 min 38 s
